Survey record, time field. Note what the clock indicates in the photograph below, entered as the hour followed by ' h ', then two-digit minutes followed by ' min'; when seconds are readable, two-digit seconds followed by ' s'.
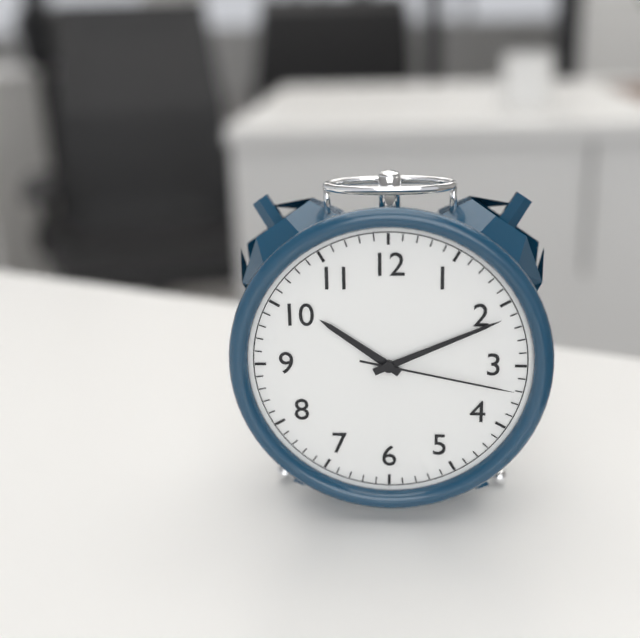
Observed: 10 h 11 min 17 s
